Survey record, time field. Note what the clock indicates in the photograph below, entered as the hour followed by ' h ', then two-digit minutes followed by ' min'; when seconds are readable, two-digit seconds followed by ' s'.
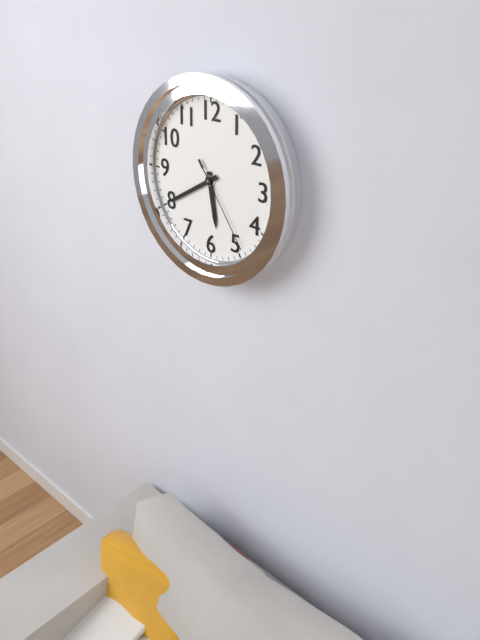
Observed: 5 h 40 min 24 s
